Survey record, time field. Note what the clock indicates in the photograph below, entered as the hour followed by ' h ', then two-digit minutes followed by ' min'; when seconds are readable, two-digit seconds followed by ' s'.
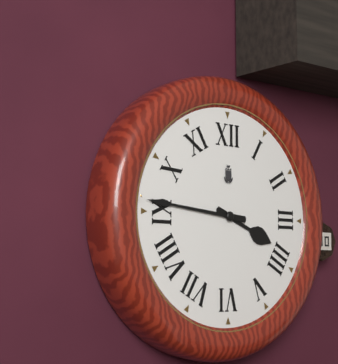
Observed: 3 h 46 min
